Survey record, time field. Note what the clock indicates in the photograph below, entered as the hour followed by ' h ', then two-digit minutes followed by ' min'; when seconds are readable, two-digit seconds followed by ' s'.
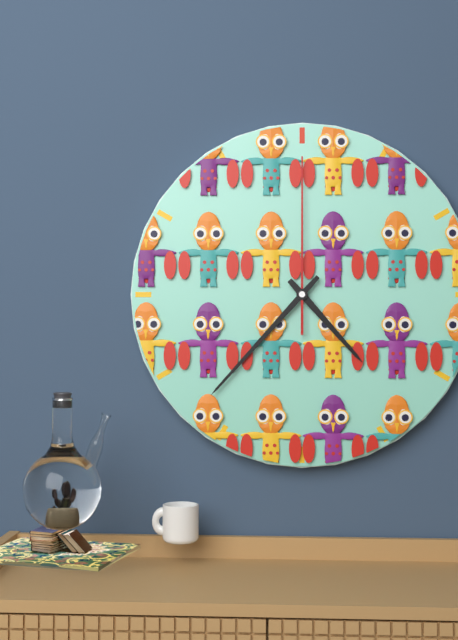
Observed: 4 h 37 min 00 s
